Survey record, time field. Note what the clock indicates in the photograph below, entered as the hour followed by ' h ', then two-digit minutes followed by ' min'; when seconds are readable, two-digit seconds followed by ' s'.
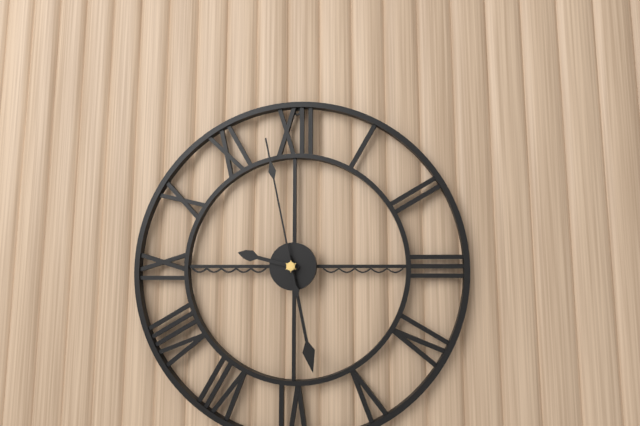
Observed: 9 h 28 min 58 s
